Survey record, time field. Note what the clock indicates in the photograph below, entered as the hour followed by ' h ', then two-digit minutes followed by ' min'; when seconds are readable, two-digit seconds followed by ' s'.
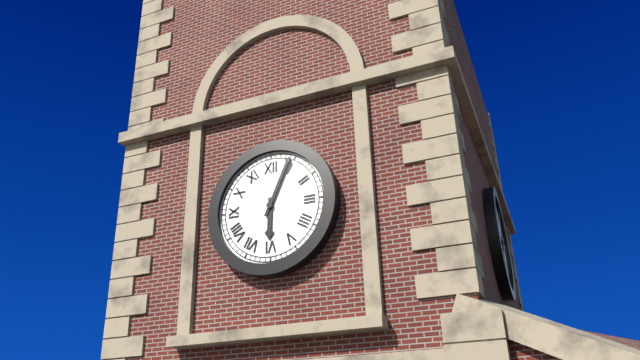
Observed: 6 h 04 min
